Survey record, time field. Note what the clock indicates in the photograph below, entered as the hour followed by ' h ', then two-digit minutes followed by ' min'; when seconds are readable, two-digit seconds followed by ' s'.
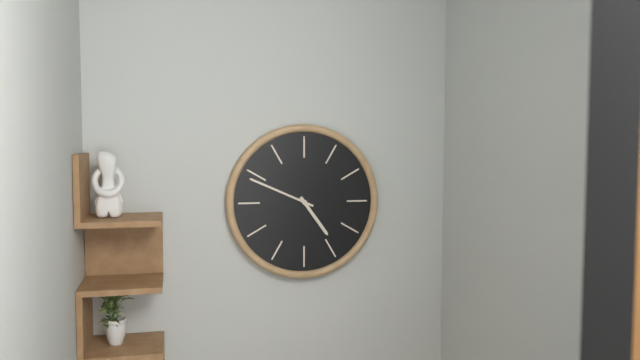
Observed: 4 h 49 min
